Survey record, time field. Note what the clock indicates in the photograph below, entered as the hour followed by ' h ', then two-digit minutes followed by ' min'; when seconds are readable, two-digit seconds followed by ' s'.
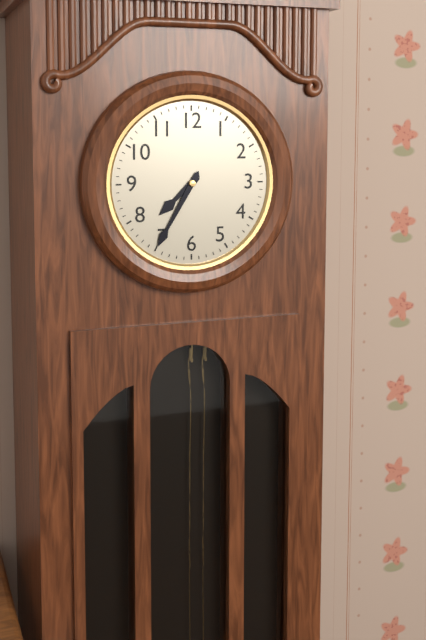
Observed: 7 h 35 min
